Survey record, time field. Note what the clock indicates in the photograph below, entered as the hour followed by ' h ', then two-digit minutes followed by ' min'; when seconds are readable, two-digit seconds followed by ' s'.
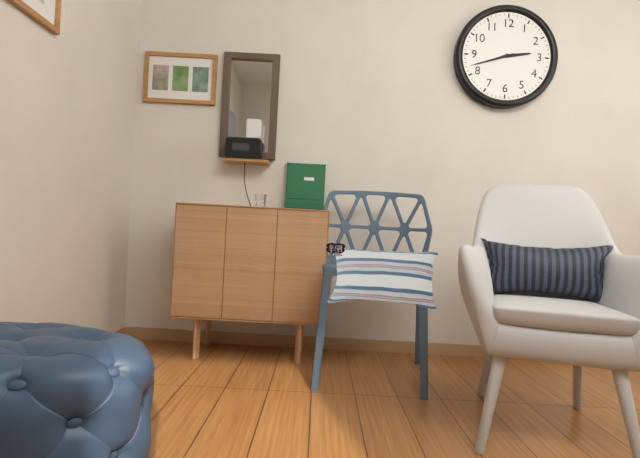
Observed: 2 h 42 min
